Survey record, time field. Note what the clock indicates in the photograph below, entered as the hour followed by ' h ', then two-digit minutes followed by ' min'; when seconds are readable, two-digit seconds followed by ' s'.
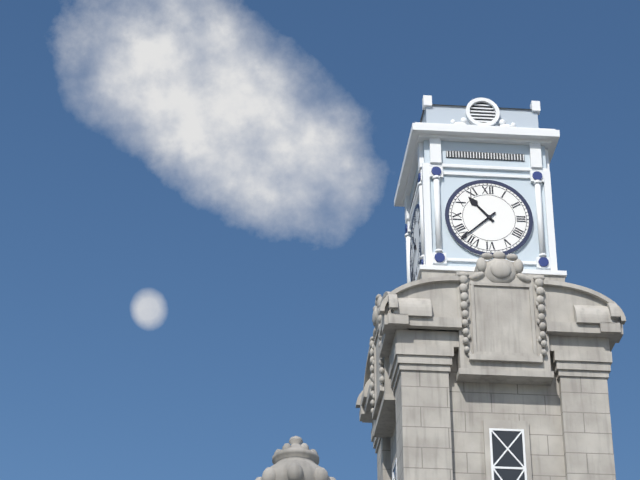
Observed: 10 h 38 min
